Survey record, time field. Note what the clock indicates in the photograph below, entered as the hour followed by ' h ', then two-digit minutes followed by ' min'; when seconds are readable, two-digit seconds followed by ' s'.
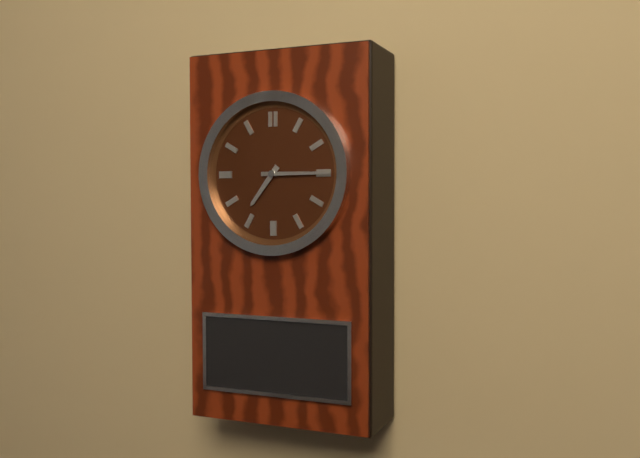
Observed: 7 h 15 min
